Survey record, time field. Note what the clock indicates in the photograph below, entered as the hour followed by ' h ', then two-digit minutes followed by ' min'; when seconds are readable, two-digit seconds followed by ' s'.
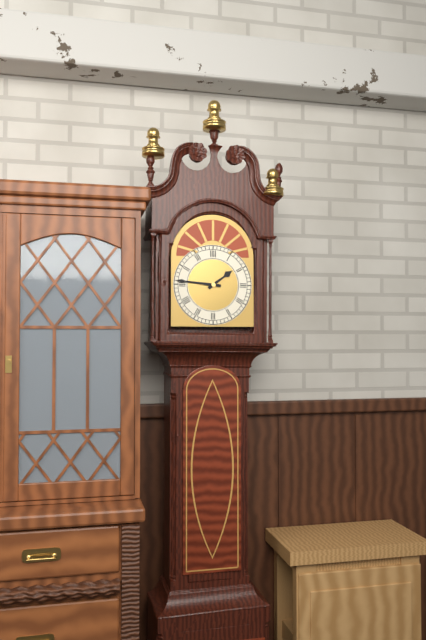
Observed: 1 h 46 min
